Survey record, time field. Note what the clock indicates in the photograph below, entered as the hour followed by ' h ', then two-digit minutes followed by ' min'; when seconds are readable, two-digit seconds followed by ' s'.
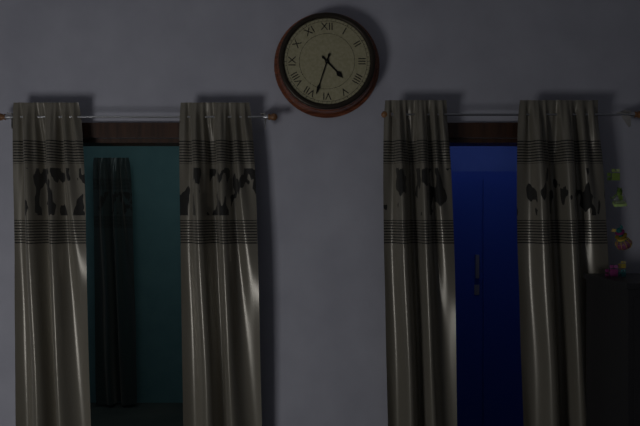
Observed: 4 h 33 min
